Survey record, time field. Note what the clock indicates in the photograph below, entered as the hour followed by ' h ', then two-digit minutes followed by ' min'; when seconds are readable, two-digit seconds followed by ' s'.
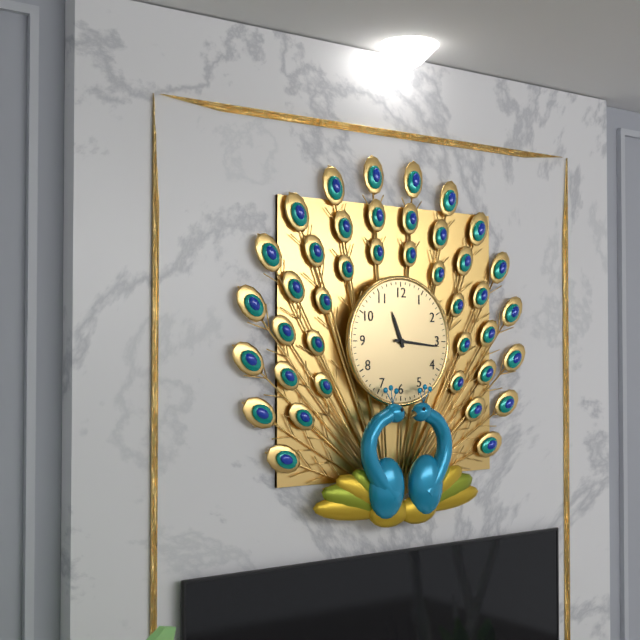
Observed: 11 h 16 min
